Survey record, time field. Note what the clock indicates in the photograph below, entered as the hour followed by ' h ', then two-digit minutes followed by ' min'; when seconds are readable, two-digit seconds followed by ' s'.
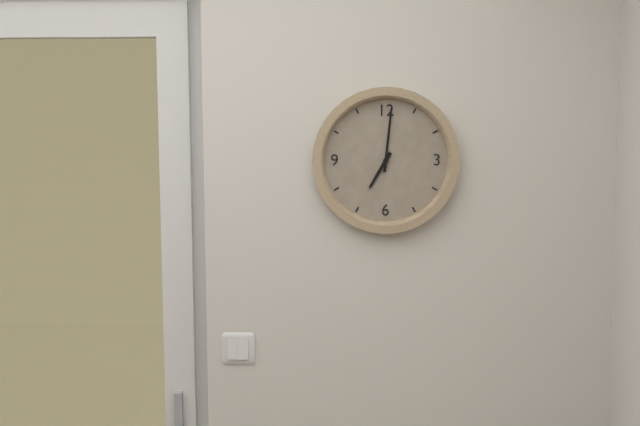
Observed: 7 h 01 min
